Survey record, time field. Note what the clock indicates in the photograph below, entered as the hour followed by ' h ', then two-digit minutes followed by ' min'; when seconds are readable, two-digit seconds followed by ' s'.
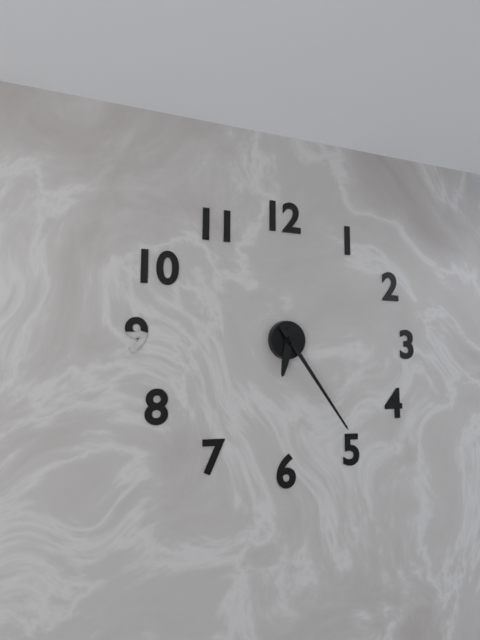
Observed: 6 h 24 min
